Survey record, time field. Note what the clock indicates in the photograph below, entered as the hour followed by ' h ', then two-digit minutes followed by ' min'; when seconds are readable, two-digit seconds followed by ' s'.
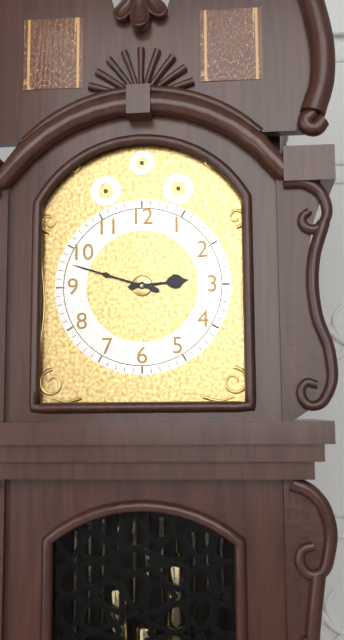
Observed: 2 h 48 min
